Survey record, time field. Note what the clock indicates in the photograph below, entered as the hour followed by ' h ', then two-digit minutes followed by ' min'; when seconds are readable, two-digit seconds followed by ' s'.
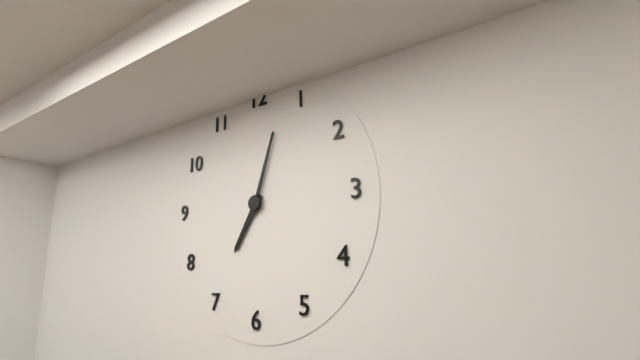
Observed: 7 h 03 min
